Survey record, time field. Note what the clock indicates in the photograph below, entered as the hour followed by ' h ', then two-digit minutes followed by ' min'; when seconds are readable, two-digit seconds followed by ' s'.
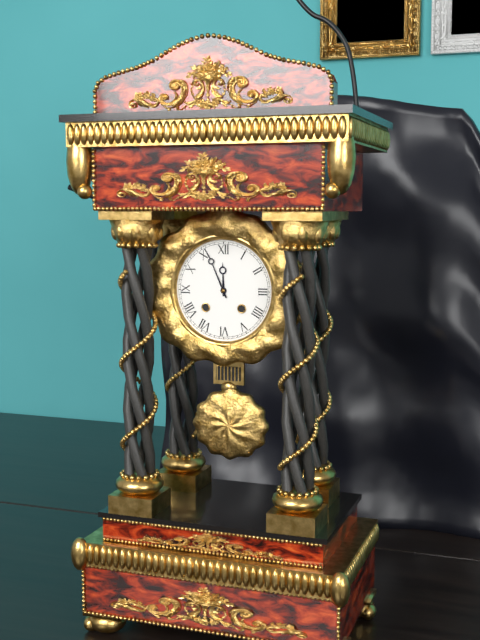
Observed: 11 h 56 min
